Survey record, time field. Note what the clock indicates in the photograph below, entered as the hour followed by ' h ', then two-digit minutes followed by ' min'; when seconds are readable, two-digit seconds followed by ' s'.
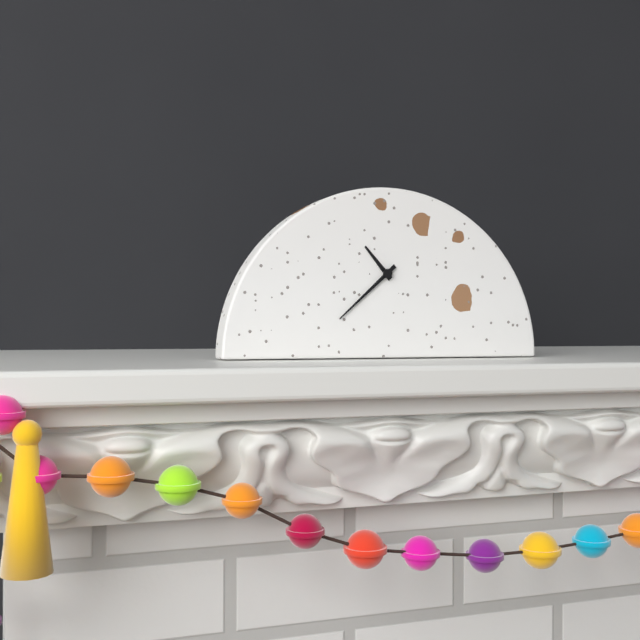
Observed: 10 h 38 min
